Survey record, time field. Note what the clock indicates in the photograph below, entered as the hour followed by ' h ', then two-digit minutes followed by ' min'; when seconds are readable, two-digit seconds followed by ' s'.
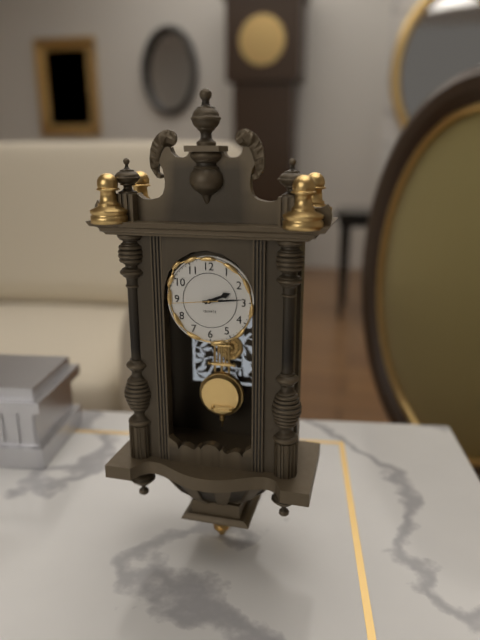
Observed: 2 h 14 min
